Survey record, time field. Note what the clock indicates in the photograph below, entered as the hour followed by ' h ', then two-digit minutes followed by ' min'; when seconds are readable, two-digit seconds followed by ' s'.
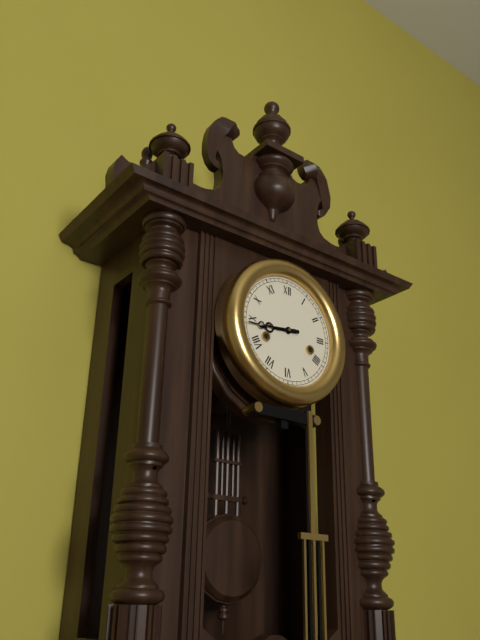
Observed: 8 h 44 min
